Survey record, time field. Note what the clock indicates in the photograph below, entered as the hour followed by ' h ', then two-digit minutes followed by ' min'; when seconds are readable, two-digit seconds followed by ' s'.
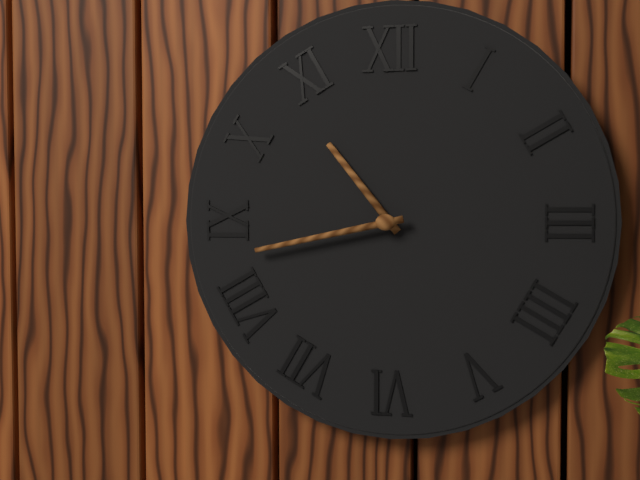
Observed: 10 h 43 min
